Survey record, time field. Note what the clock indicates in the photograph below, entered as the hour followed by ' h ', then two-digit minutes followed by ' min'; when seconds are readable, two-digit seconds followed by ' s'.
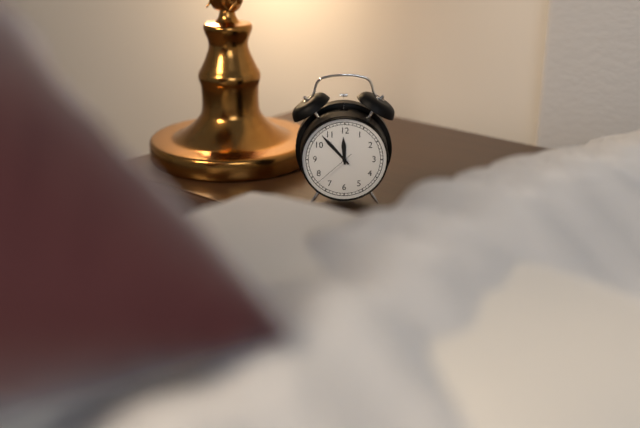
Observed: 11 h 53 min
